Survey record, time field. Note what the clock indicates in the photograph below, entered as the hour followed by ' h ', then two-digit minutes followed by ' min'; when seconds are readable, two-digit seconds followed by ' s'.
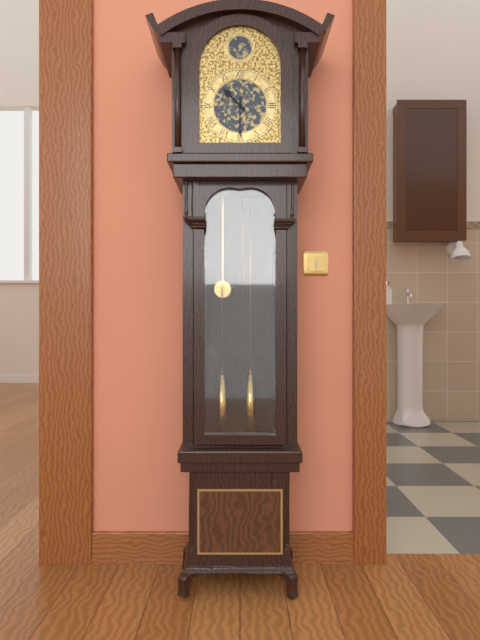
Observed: 10 h 30 min
